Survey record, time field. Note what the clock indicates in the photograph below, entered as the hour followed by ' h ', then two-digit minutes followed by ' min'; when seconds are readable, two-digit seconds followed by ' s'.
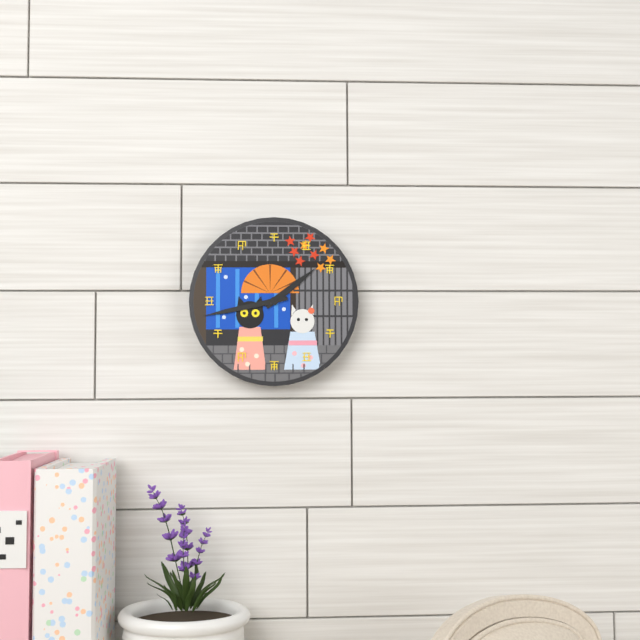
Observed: 1 h 43 min
